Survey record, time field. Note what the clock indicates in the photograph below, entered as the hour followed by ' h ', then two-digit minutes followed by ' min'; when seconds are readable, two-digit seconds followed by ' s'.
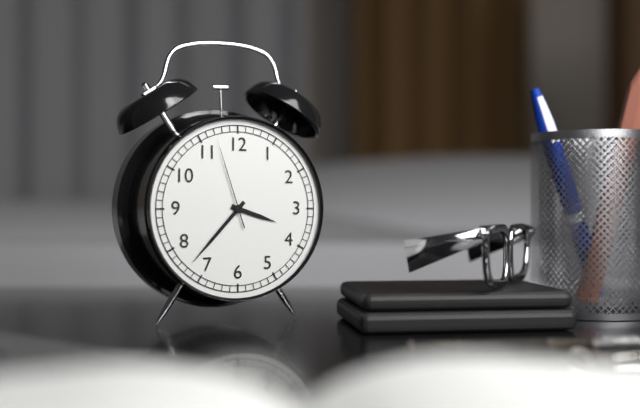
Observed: 3 h 37 min 57 s
